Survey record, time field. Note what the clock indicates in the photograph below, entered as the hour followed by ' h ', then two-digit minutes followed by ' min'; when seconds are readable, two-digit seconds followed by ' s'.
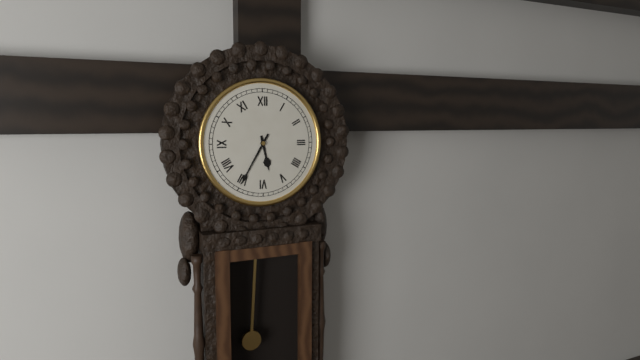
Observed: 5 h 35 min
